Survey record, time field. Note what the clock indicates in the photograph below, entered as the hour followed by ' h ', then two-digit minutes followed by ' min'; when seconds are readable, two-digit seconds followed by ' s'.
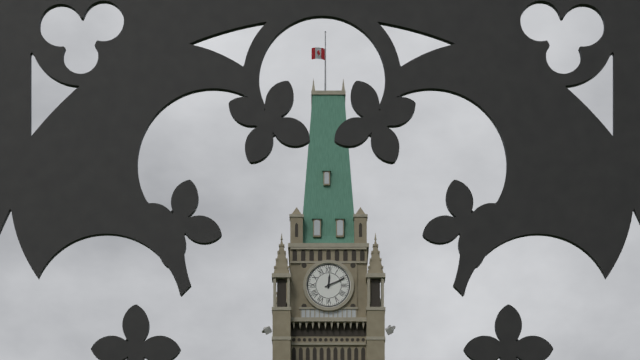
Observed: 12 h 11 min
